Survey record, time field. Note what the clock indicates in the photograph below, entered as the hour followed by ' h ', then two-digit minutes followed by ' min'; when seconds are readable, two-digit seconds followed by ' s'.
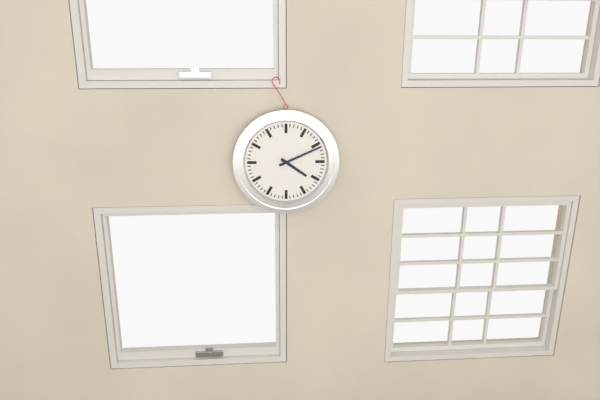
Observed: 4 h 11 min
